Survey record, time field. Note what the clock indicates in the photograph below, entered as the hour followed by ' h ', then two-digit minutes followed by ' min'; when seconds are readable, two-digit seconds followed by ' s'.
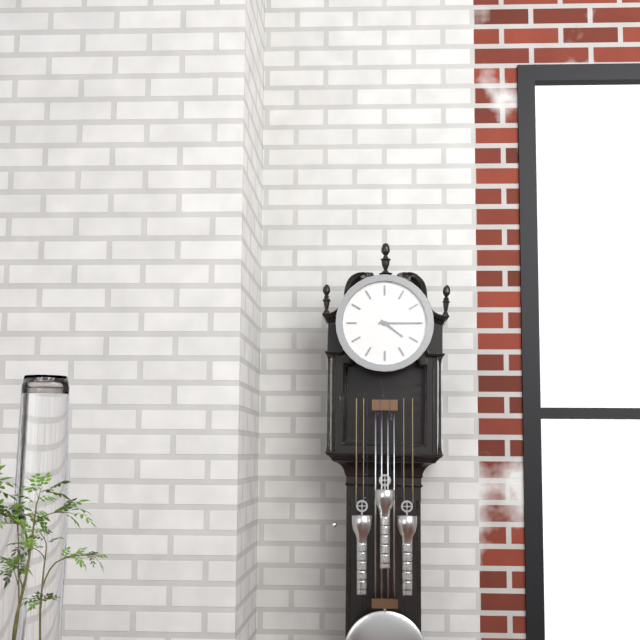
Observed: 4 h 15 min
